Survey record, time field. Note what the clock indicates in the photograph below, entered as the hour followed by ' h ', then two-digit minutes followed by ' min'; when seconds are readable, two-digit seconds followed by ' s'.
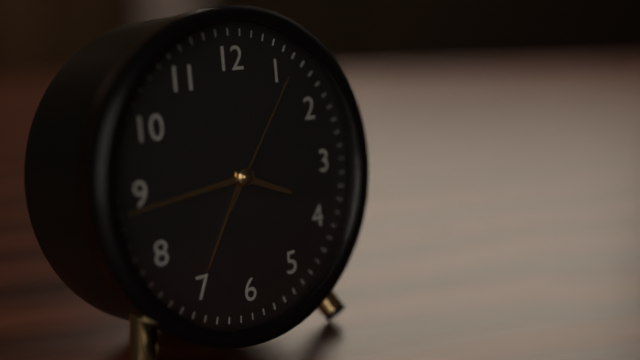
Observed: 3 h 44 min 06 s
